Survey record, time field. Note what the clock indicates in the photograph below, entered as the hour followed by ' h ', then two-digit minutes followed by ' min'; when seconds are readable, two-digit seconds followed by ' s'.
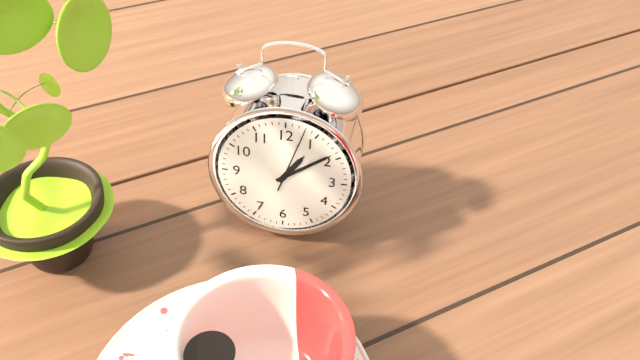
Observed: 1 h 09 min 03 s
